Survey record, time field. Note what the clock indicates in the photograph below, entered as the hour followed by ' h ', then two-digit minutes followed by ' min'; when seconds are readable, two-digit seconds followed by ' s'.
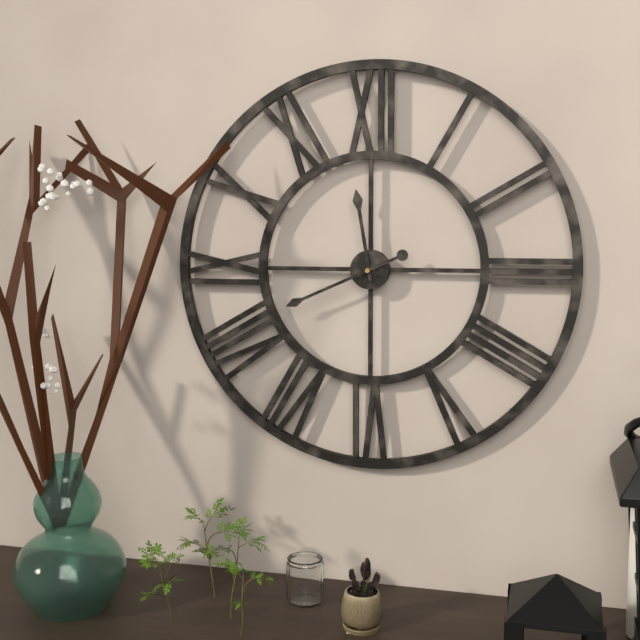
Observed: 11 h 41 min
